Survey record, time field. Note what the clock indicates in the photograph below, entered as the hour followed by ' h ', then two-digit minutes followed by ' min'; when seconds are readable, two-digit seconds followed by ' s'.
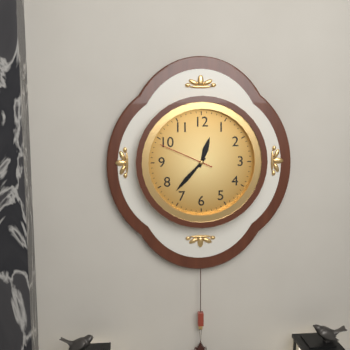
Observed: 12 h 37 min 49 s
